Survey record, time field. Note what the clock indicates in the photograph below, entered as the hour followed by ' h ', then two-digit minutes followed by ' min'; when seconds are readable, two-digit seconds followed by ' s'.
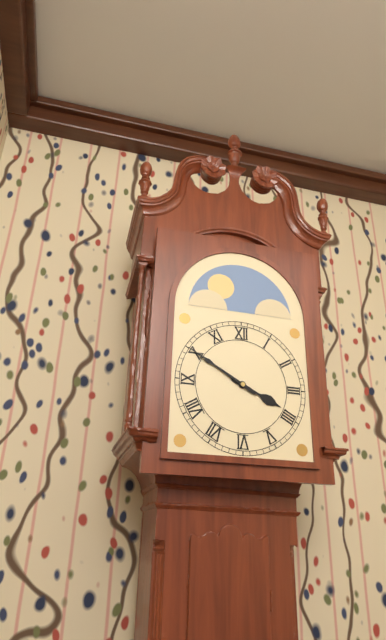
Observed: 3 h 50 min
